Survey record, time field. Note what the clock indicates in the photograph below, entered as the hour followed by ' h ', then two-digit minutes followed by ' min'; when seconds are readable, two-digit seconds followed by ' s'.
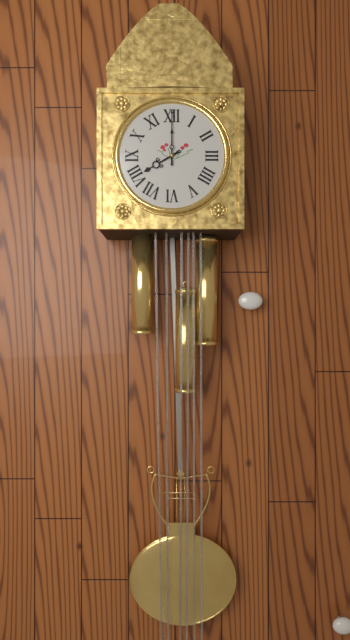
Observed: 8 h 00 min
